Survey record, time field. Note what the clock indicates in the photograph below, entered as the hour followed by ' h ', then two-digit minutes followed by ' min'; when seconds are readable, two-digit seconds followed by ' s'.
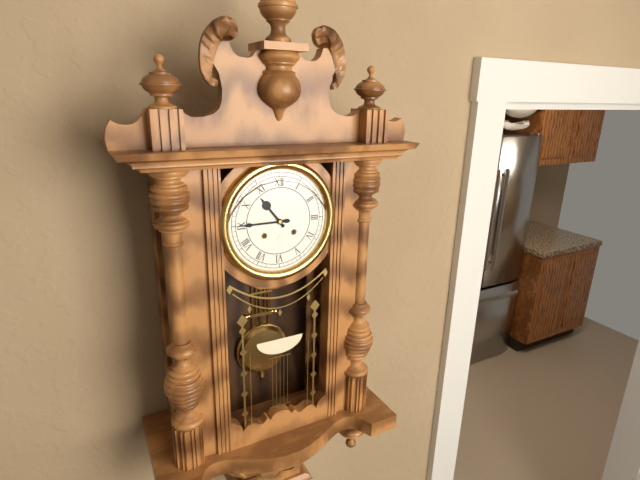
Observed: 10 h 45 min
